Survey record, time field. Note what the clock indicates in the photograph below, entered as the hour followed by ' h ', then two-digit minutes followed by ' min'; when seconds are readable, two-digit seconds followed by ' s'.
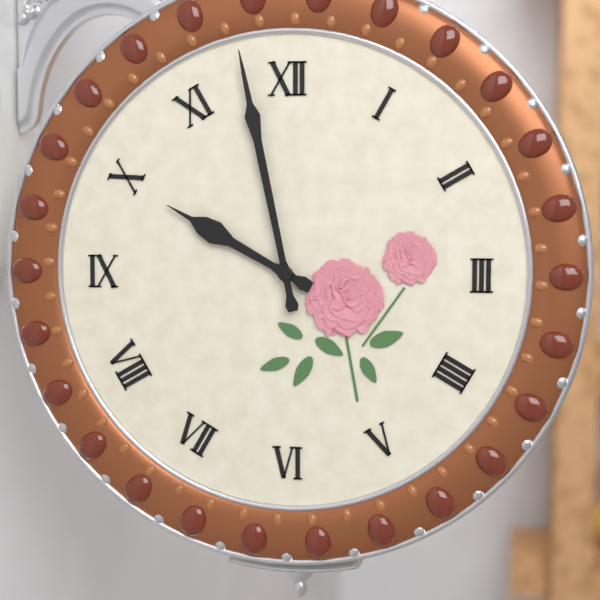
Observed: 9 h 58 min
